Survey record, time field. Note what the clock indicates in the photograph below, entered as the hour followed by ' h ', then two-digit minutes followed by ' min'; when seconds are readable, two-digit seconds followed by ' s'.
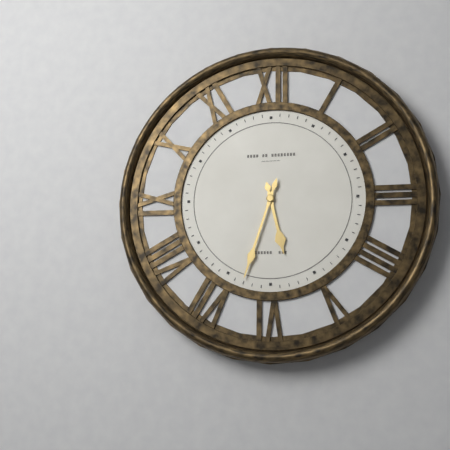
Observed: 5 h 33 min
